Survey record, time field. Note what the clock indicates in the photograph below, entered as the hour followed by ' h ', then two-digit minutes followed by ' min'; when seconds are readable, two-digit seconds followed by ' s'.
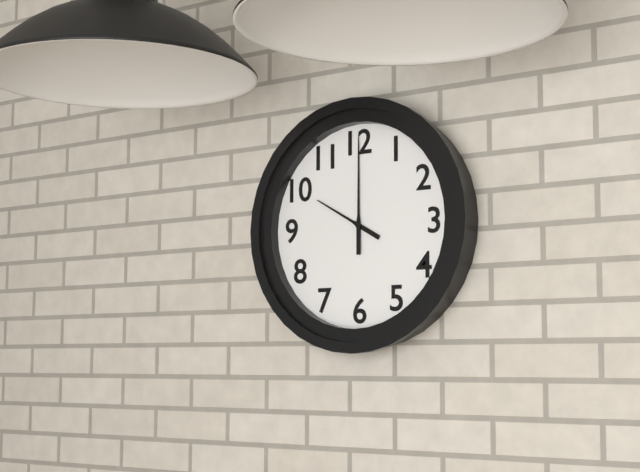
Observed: 10 h 00 min
